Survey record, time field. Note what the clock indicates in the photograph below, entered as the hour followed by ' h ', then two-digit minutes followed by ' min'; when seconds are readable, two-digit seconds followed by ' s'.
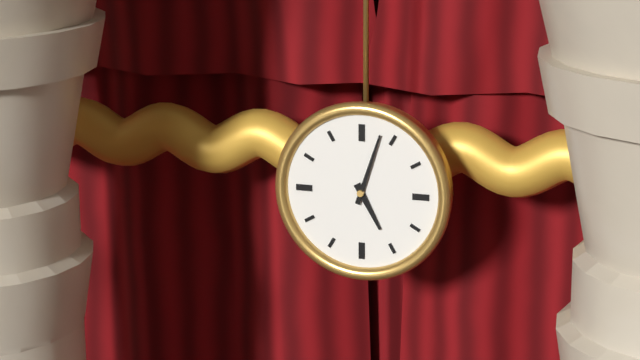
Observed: 5 h 03 min
